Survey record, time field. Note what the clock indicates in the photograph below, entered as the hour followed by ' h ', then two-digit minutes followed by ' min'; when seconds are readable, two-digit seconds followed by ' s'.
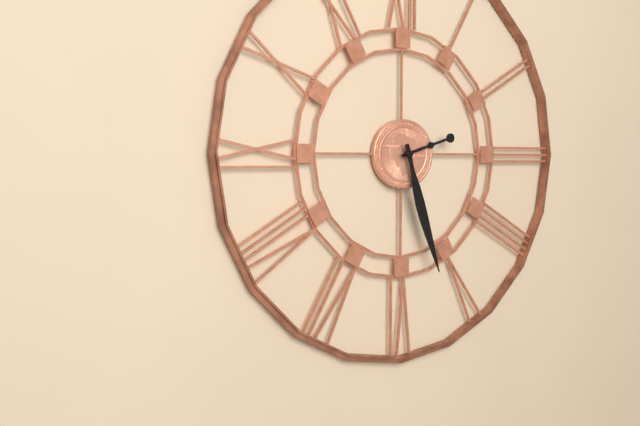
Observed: 2 h 27 min
